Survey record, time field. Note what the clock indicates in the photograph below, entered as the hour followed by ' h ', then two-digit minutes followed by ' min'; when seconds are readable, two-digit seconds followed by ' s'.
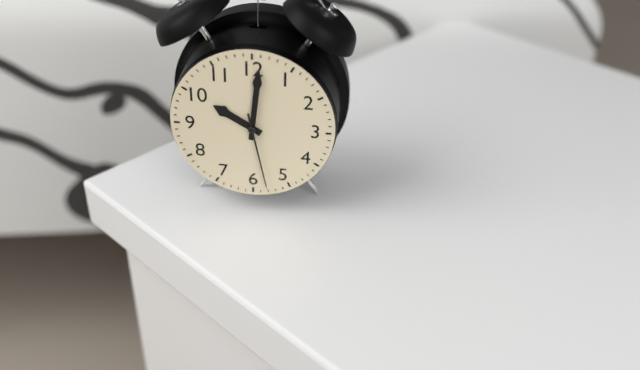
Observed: 10 h 01 min 28 s
